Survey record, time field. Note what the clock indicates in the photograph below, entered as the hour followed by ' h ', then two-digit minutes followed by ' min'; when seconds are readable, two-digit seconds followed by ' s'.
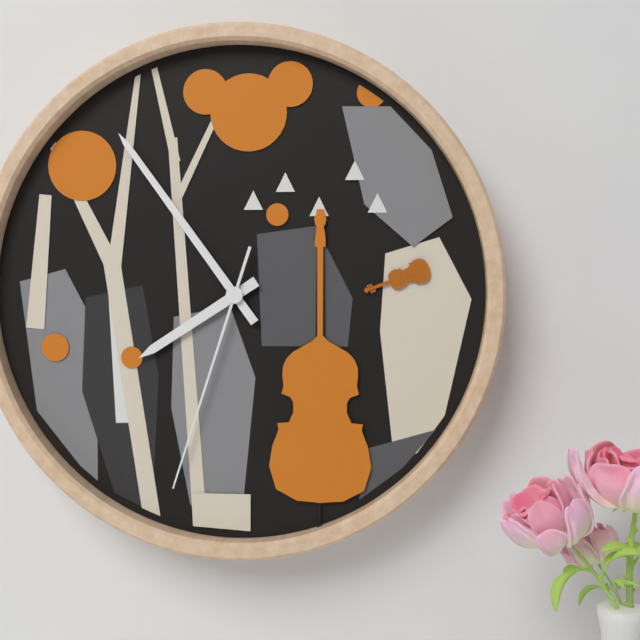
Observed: 7 h 54 min 33 s
